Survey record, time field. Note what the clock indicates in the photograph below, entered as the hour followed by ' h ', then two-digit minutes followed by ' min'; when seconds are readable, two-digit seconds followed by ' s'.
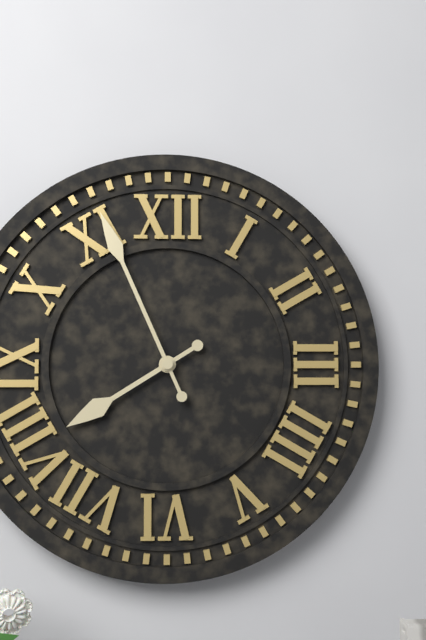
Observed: 7 h 56 min
